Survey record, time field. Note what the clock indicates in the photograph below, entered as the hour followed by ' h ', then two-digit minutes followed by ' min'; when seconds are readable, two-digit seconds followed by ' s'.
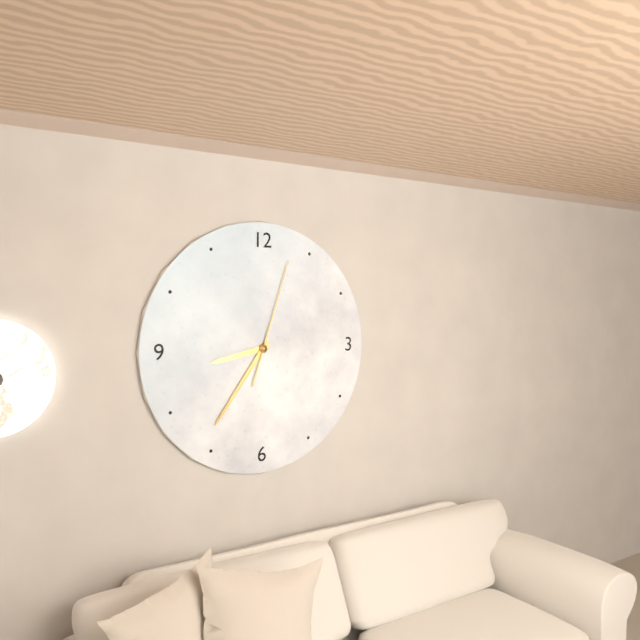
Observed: 8 h 36 min 03 s
